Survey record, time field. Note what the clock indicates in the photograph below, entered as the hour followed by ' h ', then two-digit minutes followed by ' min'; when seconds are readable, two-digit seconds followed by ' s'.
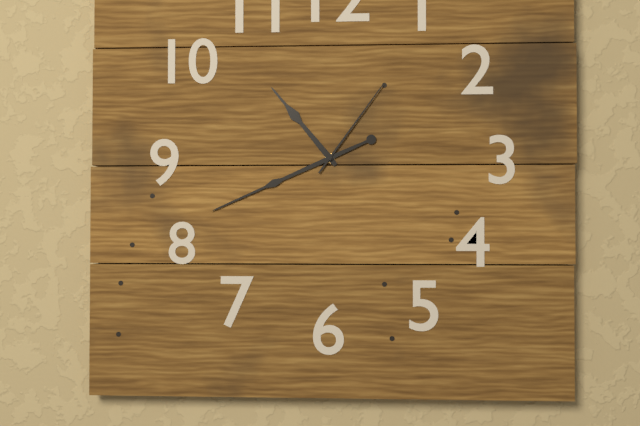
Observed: 10 h 41 min 06 s
